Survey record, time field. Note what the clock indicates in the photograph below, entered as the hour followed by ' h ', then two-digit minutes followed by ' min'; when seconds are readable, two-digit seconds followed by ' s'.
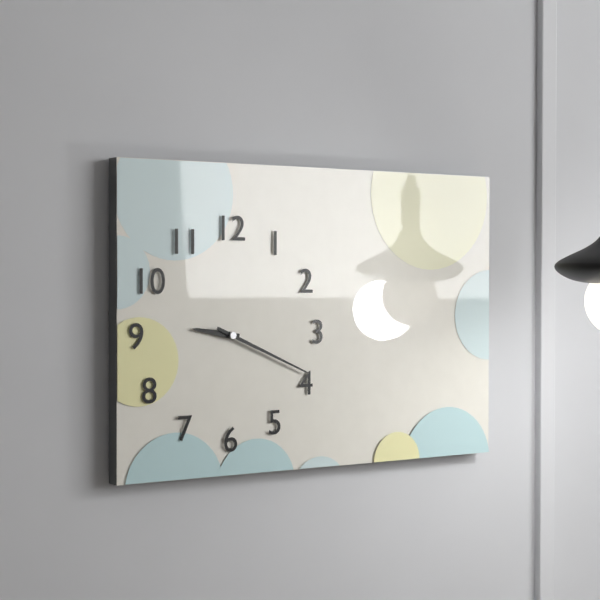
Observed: 9 h 19 min
